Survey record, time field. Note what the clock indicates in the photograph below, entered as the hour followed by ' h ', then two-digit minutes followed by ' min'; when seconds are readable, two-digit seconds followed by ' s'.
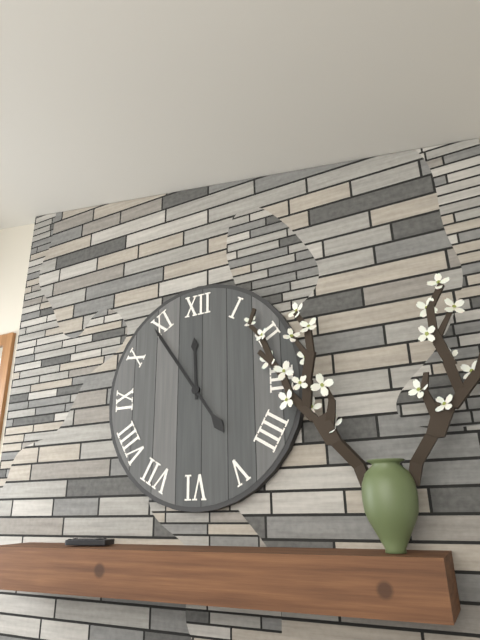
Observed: 11 h 54 min
